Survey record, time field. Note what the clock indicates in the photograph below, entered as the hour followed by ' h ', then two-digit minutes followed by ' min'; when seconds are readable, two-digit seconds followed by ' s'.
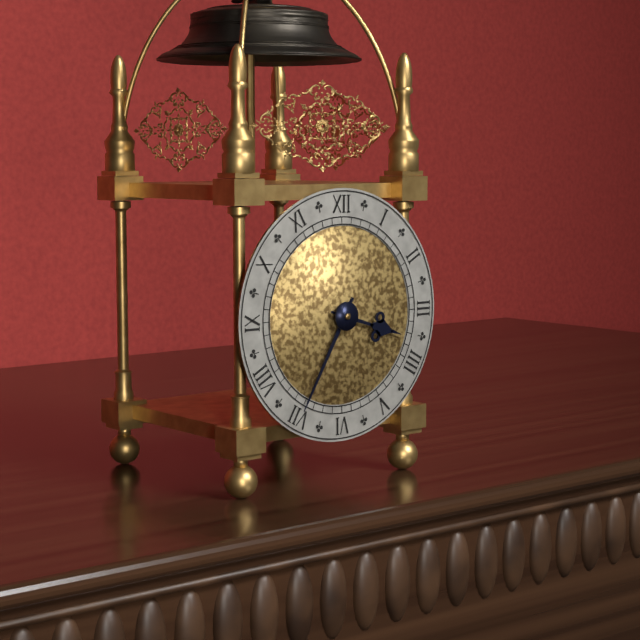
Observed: 3 h 35 min
